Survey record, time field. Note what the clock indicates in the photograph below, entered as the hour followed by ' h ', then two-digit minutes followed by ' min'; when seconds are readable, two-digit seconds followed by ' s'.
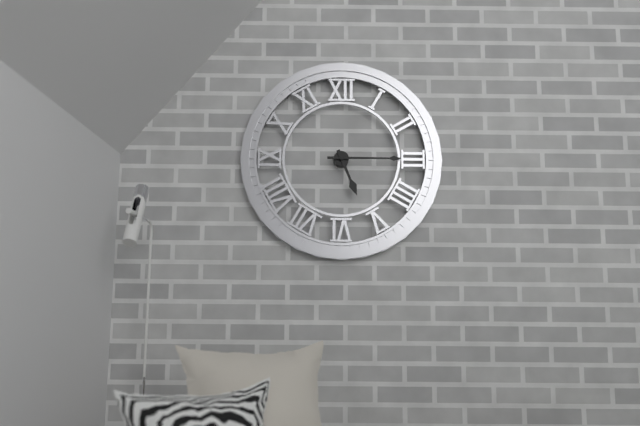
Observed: 5 h 15 min
